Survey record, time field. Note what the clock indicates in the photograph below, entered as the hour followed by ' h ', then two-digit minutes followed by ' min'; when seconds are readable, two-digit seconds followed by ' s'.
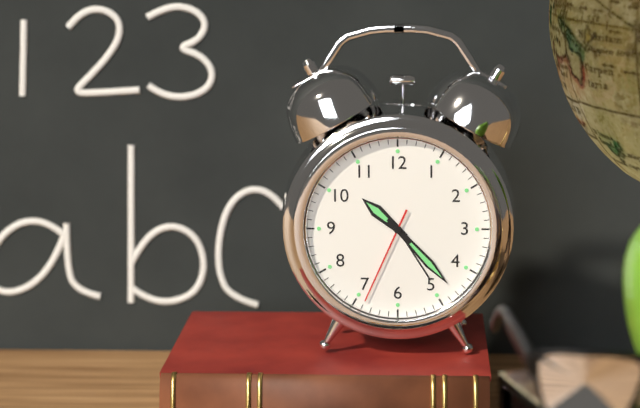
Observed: 10 h 23 min 34 s
